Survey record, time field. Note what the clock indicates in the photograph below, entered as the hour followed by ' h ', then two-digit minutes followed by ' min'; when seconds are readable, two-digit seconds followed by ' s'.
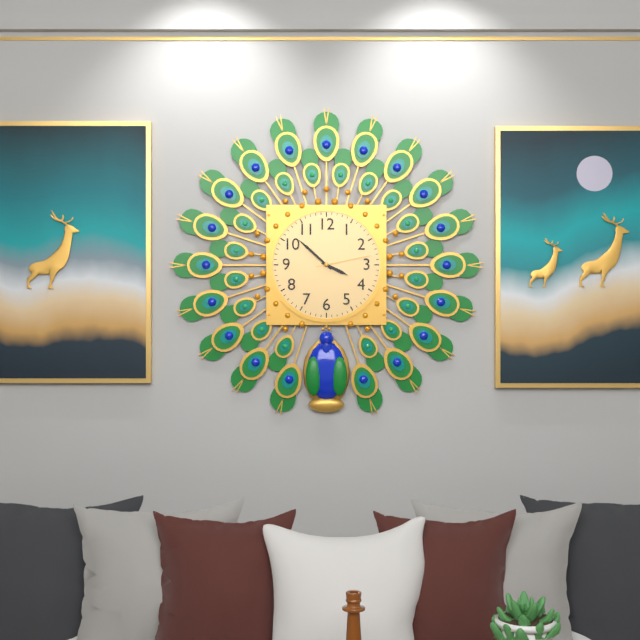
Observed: 3 h 52 min 13 s
